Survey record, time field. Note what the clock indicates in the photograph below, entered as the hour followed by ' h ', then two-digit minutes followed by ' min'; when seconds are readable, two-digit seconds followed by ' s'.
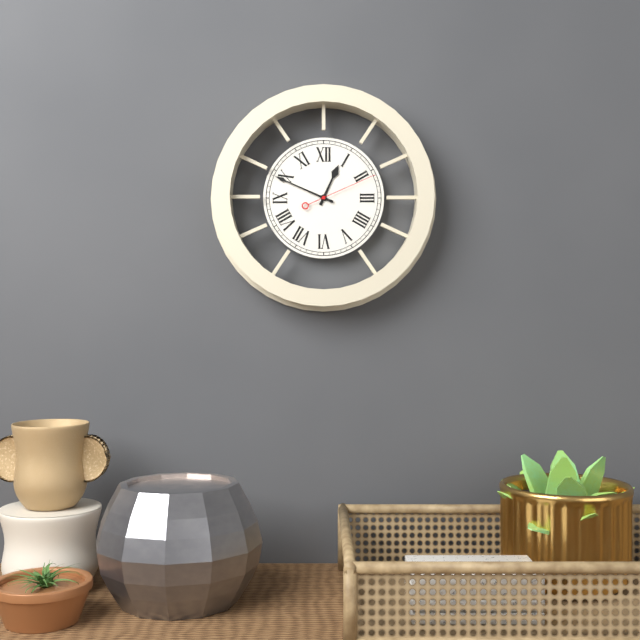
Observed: 12 h 49 min 11 s
